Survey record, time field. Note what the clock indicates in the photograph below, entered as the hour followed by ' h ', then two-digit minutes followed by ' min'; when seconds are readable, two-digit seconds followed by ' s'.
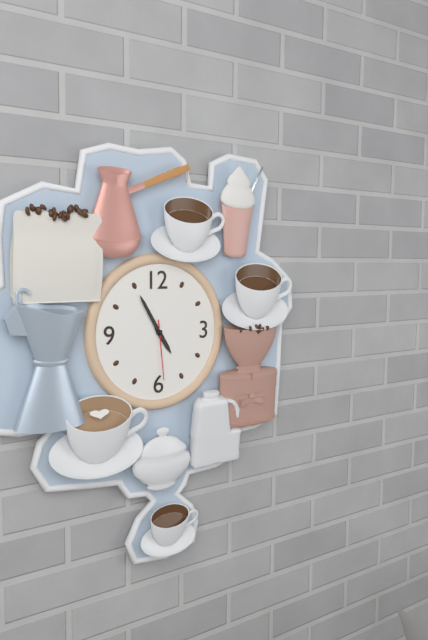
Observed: 4 h 55 min 29 s
